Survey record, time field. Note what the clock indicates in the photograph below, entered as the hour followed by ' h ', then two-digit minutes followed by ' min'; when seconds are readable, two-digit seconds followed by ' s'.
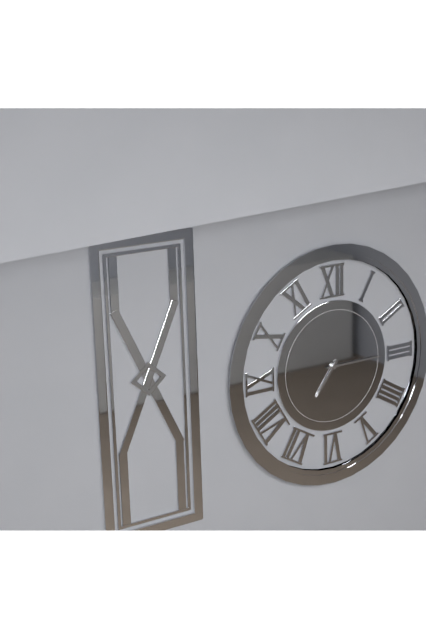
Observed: 7 h 15 min
